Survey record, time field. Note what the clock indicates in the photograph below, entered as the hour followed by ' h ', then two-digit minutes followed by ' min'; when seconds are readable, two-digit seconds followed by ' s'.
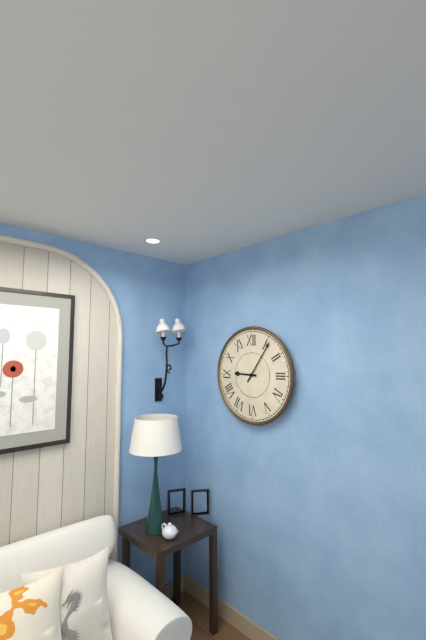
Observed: 9 h 06 min
